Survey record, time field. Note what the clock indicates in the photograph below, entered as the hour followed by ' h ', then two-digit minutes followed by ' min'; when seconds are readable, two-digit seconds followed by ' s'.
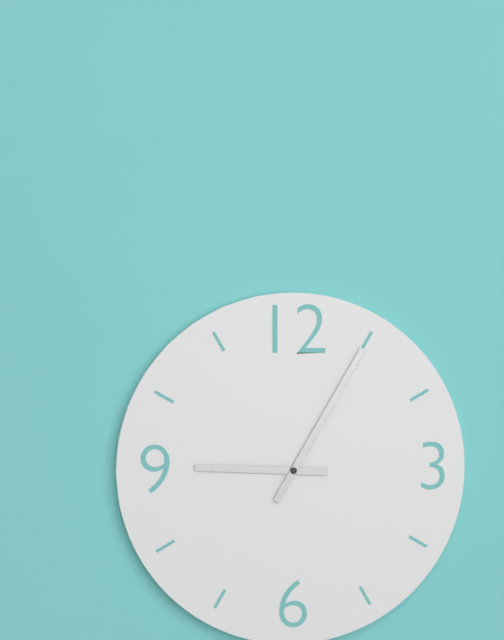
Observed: 9 h 05 min
